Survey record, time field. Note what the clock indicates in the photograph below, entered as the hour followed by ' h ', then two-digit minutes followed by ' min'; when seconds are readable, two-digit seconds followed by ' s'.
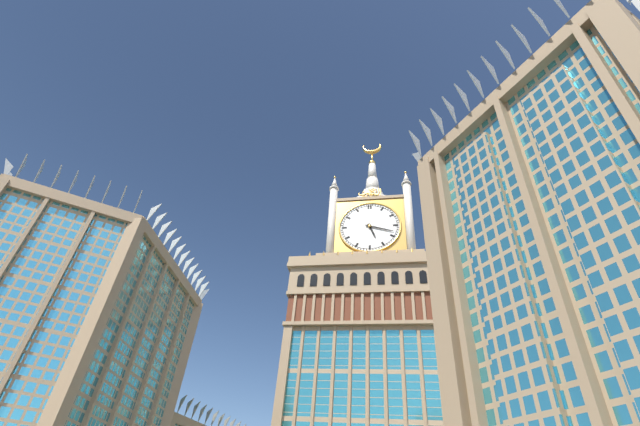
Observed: 5 h 18 min
